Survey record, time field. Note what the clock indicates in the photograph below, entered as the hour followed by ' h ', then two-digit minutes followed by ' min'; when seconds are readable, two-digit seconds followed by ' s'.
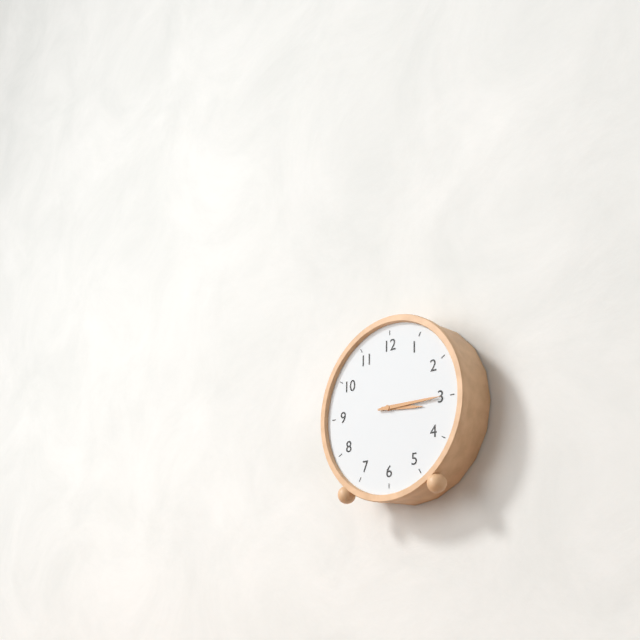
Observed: 3 h 15 min
